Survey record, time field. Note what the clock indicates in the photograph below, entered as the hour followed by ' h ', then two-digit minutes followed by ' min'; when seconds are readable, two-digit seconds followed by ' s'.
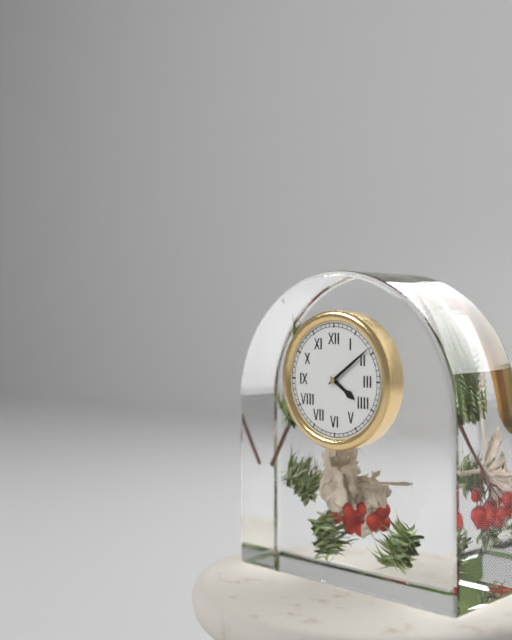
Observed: 4 h 09 min
